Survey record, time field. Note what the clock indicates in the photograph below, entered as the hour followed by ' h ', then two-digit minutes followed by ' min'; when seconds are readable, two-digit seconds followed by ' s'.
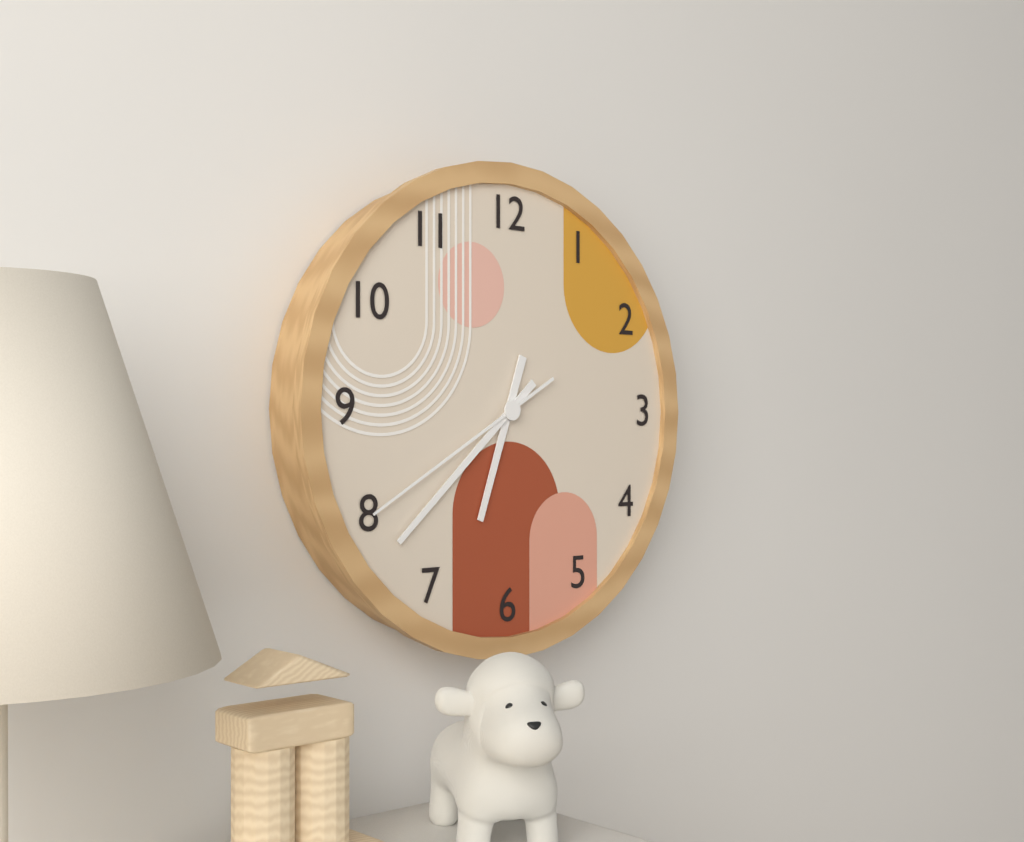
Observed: 6 h 38 min 40 s
